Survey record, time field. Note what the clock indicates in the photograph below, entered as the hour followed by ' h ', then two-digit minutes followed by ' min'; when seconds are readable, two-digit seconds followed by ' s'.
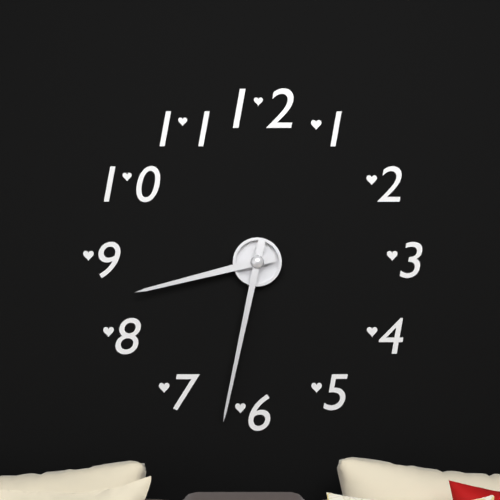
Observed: 8 h 32 min
